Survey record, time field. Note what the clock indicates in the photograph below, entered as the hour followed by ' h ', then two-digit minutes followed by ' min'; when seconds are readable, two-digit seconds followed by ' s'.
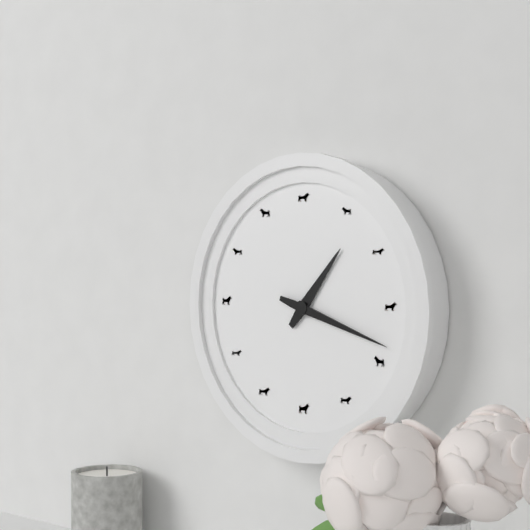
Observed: 1 h 18 min
